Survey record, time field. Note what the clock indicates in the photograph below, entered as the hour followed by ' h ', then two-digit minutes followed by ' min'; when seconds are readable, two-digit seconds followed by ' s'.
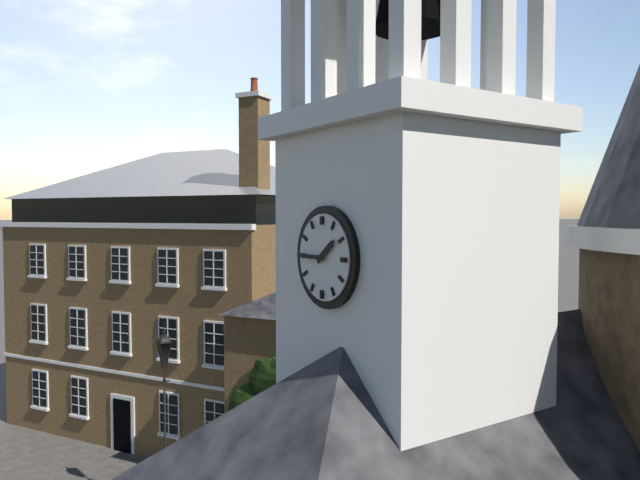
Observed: 1 h 45 min
